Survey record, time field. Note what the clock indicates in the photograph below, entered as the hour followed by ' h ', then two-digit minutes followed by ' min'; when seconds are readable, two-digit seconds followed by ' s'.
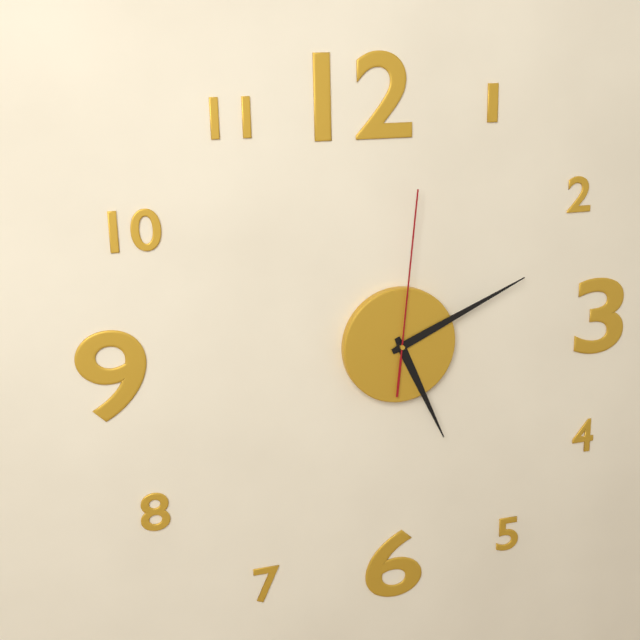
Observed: 5 h 11 min 01 s
